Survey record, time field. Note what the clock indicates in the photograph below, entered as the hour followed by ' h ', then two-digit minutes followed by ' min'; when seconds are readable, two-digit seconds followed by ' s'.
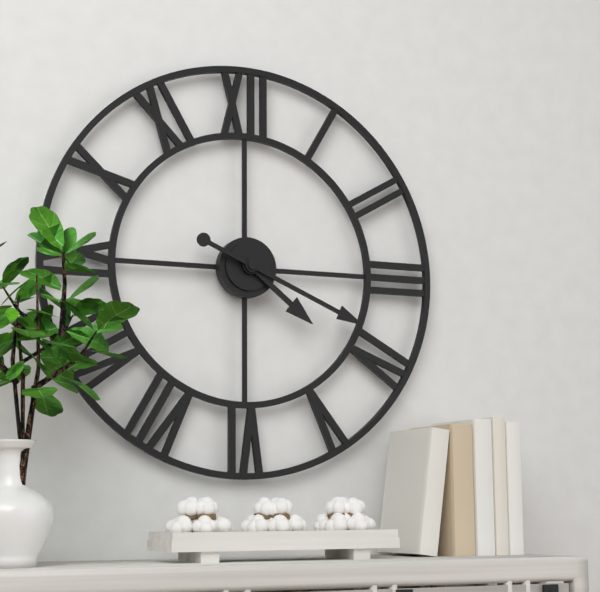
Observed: 4 h 19 min
